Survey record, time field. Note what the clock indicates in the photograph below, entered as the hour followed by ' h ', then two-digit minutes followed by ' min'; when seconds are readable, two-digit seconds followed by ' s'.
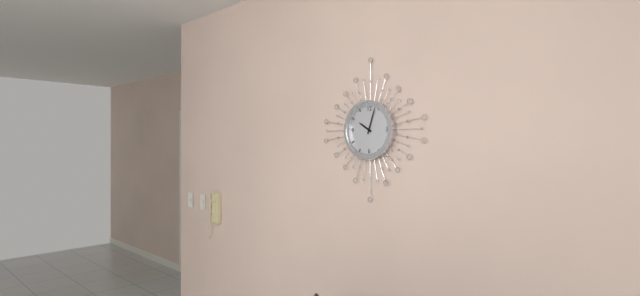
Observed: 10 h 03 min
